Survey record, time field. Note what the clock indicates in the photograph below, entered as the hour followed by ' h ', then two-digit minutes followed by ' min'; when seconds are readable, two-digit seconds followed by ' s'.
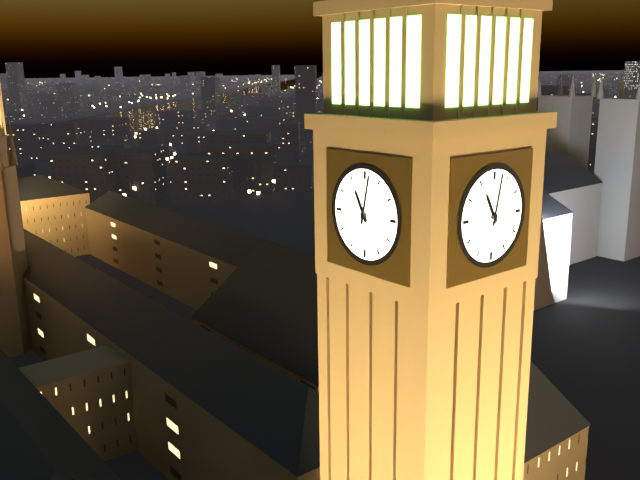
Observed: 11 h 02 min
